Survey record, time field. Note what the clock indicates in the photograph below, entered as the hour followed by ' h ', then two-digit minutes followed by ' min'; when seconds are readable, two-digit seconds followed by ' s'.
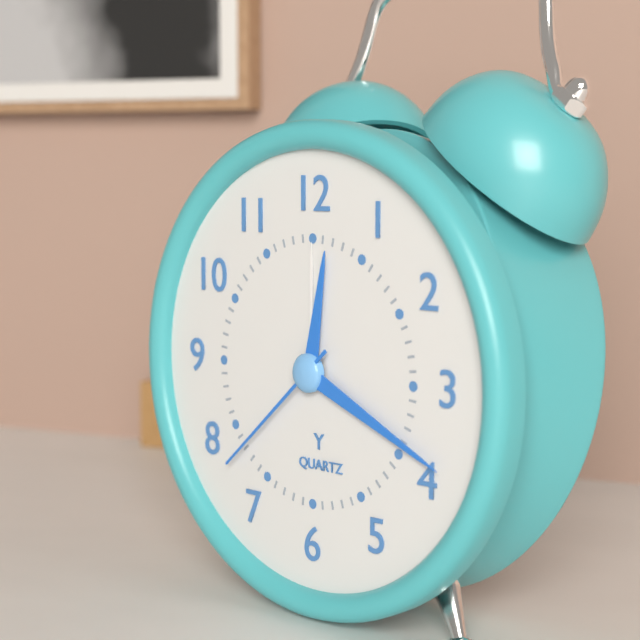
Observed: 12 h 19 min 38 s
